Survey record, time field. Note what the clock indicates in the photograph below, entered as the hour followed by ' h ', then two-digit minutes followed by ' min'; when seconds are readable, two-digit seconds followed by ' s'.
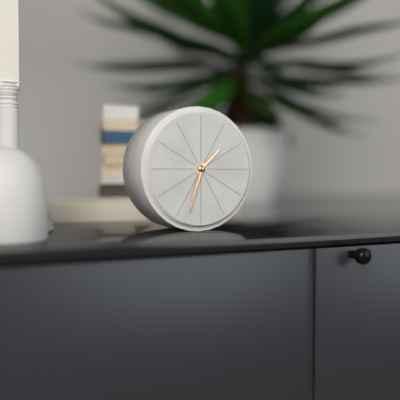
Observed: 1 h 33 min
